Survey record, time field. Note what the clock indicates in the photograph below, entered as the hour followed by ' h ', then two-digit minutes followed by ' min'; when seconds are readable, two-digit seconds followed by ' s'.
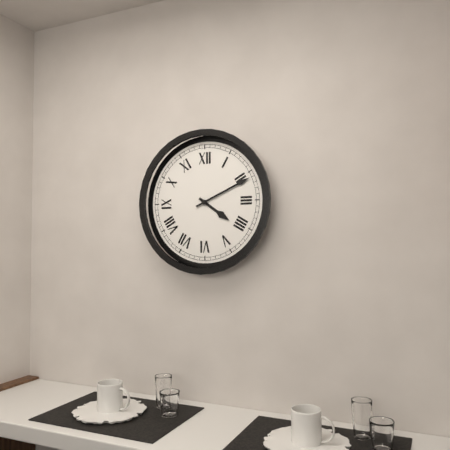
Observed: 4 h 11 min
